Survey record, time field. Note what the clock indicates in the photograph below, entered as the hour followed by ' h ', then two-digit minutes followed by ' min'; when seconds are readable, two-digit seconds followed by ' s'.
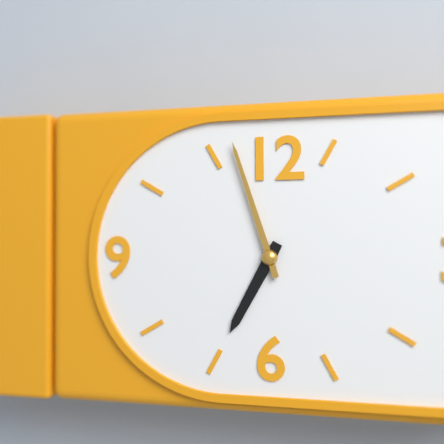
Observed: 6 h 57 min
